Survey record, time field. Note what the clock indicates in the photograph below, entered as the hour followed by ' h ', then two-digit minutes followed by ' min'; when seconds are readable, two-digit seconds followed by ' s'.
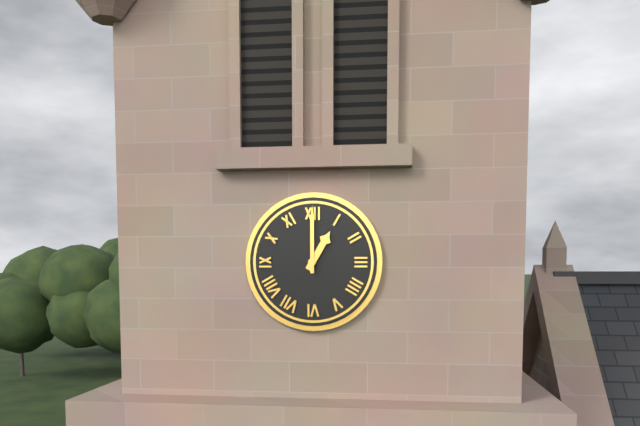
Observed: 1 h 00 min
